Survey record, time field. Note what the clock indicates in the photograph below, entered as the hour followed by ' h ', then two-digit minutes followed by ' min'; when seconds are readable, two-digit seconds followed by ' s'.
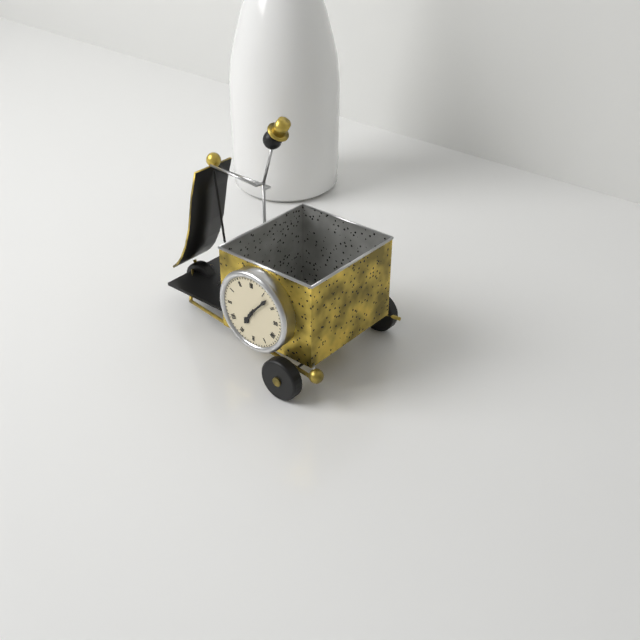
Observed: 7 h 07 min
